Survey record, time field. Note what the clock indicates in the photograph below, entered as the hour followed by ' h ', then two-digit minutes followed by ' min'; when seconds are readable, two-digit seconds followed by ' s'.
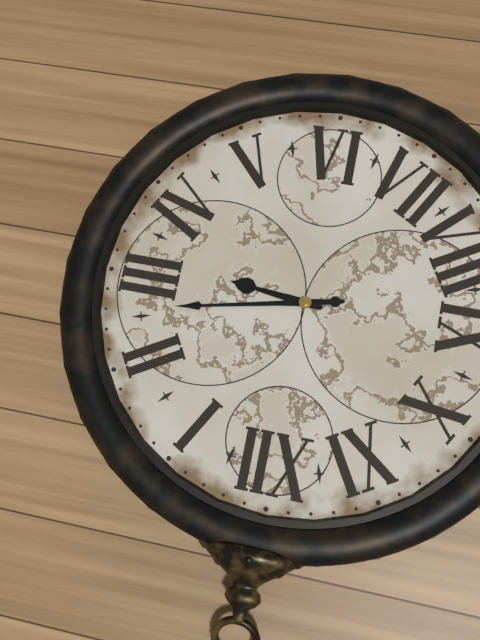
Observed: 3 h 13 min
